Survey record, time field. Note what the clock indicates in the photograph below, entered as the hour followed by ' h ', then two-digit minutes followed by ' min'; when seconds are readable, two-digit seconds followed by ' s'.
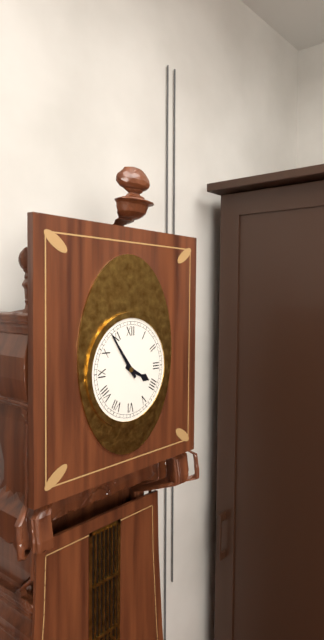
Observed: 3 h 54 min
